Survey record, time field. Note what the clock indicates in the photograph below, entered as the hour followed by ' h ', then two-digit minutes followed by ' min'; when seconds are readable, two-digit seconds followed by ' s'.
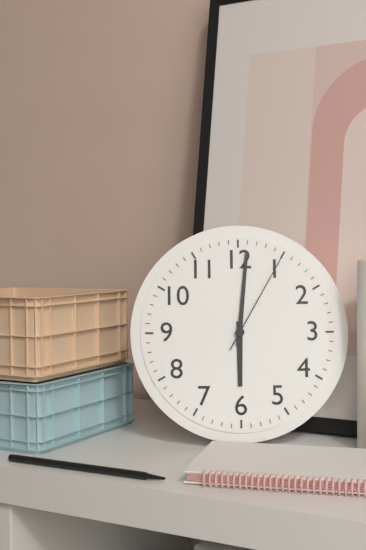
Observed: 6 h 01 min 05 s
